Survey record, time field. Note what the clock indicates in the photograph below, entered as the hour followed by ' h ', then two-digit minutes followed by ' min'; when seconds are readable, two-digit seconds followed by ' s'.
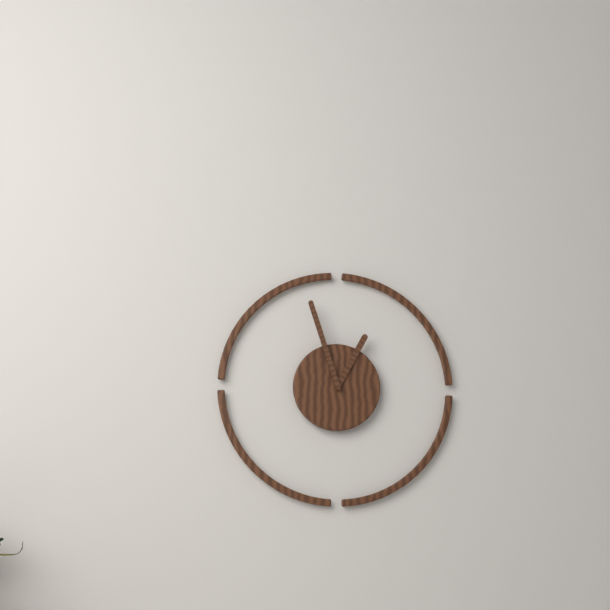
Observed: 12 h 57 min
